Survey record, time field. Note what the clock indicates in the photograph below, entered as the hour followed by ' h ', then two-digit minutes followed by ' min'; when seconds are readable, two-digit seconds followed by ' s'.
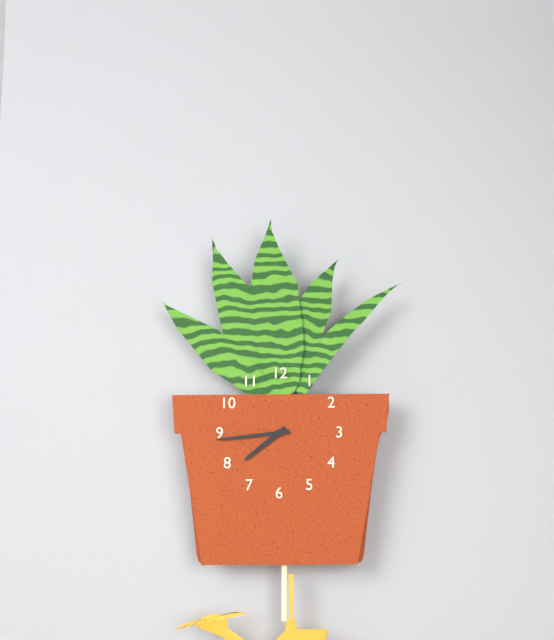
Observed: 7 h 44 min
